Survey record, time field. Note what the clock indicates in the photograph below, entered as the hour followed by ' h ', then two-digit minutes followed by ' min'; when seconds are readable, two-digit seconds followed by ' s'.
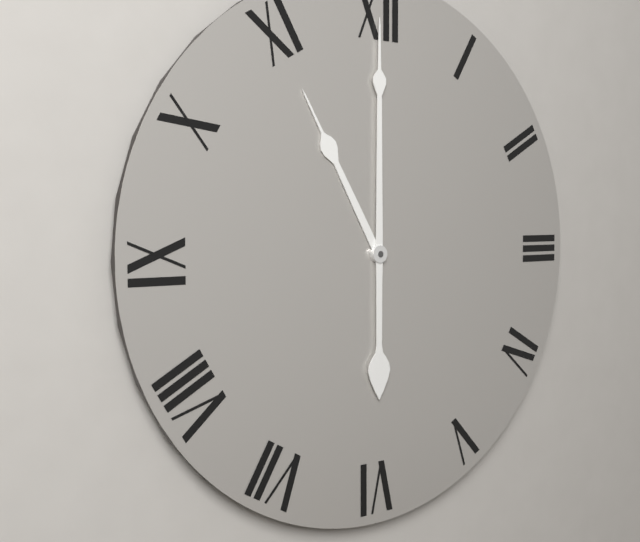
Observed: 11 h 00 min
